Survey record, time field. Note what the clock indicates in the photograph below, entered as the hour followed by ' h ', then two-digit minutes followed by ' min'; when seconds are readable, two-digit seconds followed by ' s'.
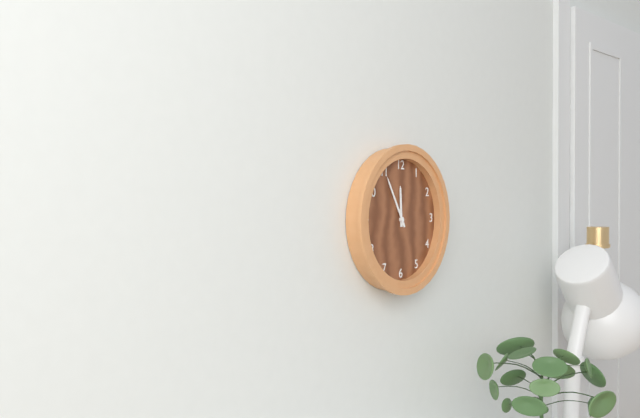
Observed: 11 h 55 min
